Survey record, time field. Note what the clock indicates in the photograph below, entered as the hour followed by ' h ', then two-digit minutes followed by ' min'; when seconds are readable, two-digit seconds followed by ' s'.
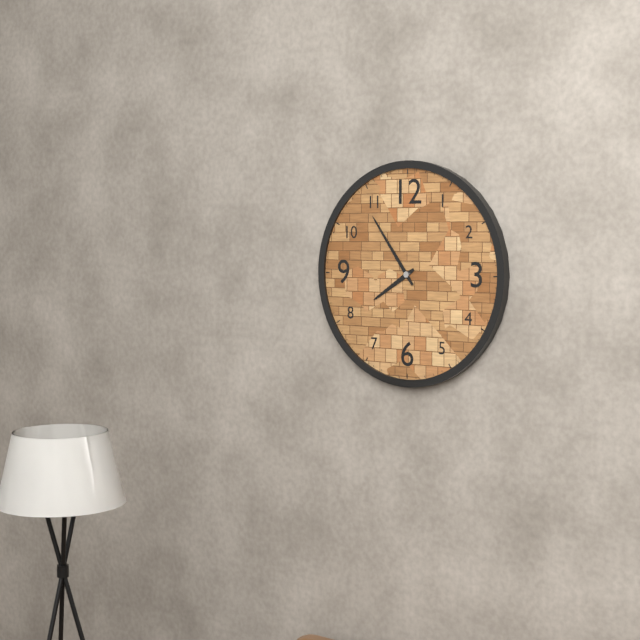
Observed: 7 h 54 min
